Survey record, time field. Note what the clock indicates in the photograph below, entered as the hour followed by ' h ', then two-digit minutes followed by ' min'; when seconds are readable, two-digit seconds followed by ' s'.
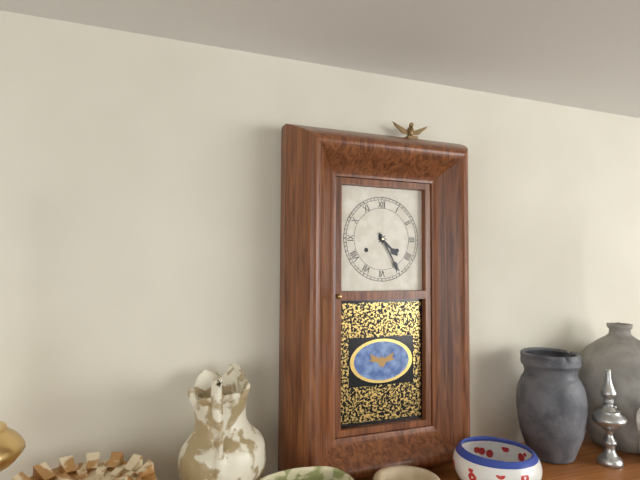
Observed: 4 h 25 min
